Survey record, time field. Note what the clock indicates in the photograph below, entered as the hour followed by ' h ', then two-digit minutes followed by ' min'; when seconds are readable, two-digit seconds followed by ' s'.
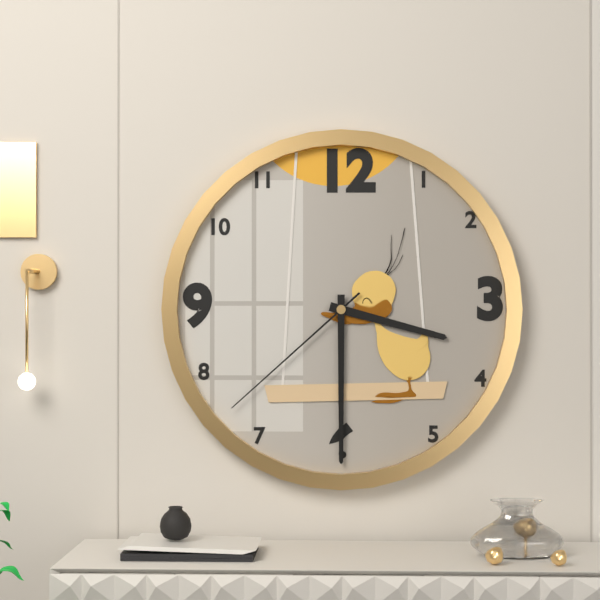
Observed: 3 h 30 min 38 s
